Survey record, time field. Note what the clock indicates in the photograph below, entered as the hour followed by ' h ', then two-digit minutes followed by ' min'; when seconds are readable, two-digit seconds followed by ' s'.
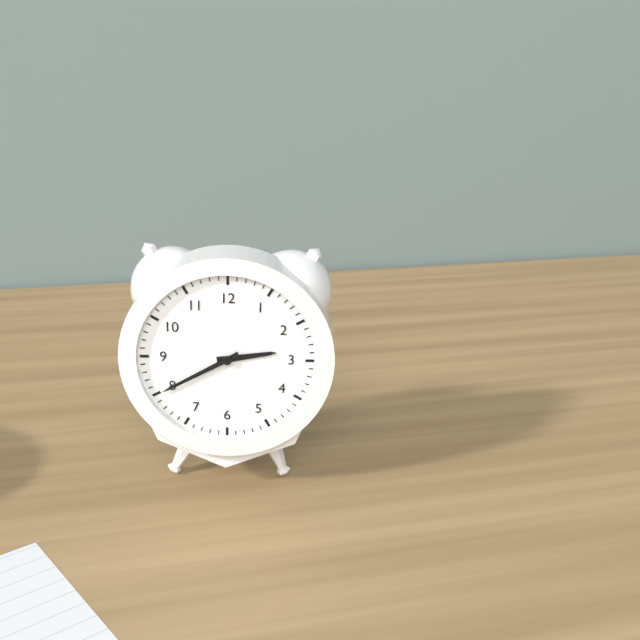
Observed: 2 h 40 min
